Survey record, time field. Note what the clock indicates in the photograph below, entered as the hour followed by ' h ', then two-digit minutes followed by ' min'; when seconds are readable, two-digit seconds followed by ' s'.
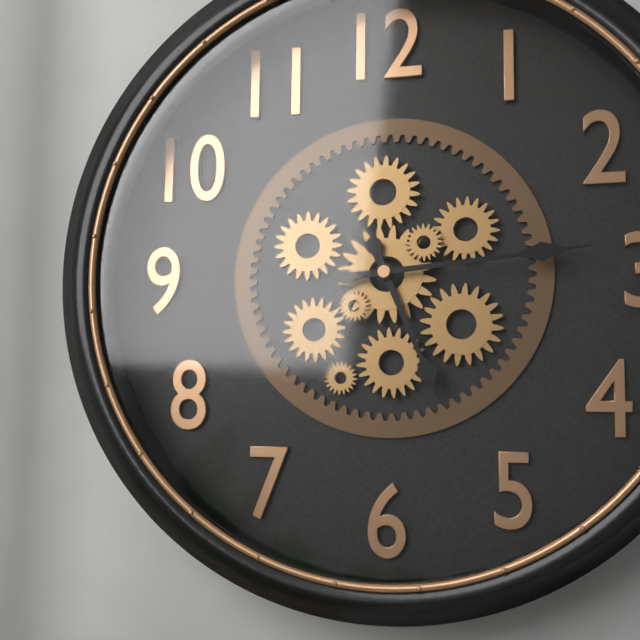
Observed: 5 h 14 min
